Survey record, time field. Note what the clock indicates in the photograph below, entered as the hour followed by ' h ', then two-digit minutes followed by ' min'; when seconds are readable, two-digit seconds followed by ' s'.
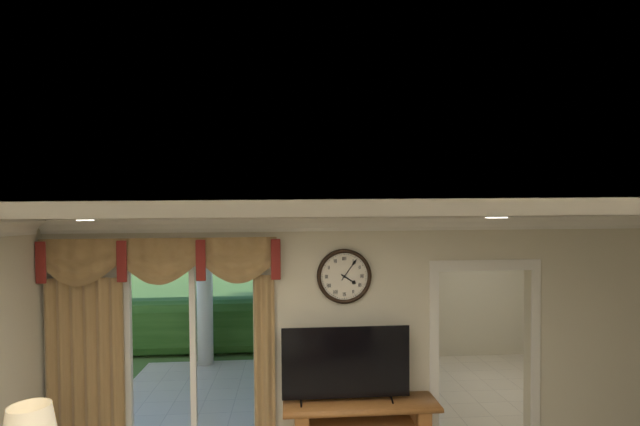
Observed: 4 h 06 min
